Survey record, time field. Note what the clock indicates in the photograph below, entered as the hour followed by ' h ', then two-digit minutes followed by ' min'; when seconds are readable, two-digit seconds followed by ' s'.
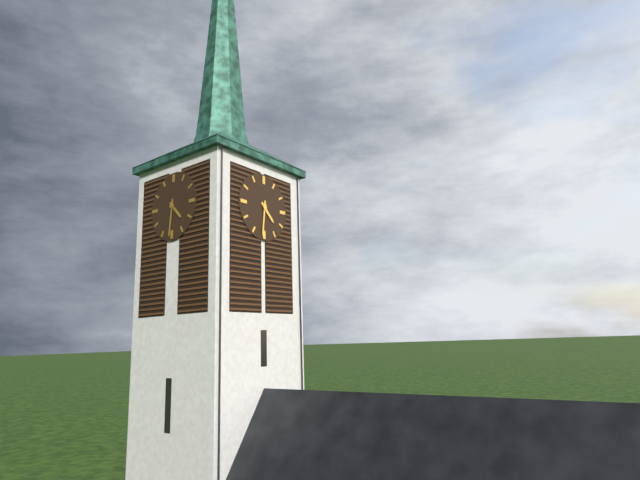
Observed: 4 h 31 min
